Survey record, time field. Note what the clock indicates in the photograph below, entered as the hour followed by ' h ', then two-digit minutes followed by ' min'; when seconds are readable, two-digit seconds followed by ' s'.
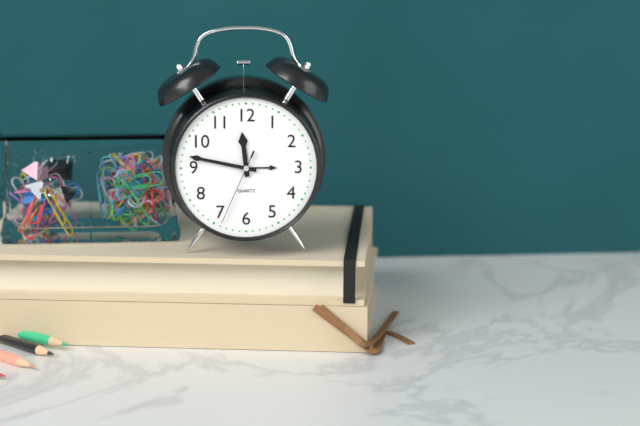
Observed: 11 h 47 min 34 s
